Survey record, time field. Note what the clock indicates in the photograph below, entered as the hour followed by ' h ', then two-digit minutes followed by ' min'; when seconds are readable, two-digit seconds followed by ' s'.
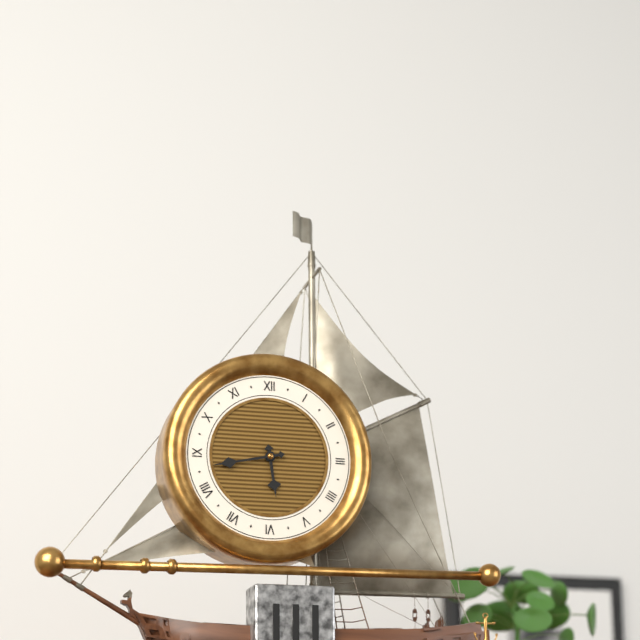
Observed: 5 h 43 min
